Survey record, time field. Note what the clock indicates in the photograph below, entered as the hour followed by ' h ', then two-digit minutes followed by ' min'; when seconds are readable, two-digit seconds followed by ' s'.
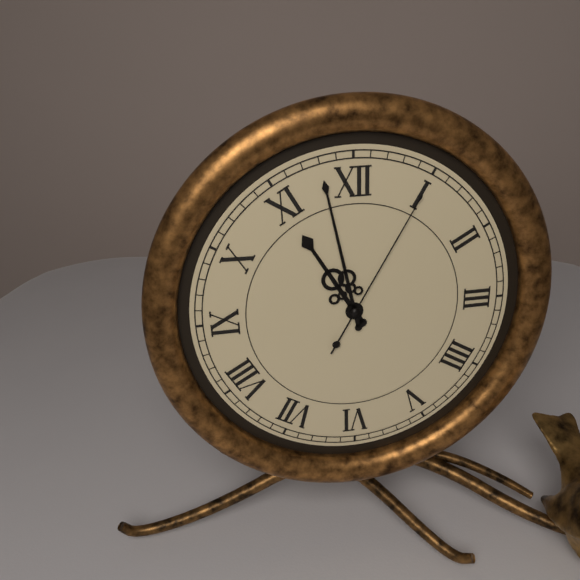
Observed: 10 h 58 min 05 s
